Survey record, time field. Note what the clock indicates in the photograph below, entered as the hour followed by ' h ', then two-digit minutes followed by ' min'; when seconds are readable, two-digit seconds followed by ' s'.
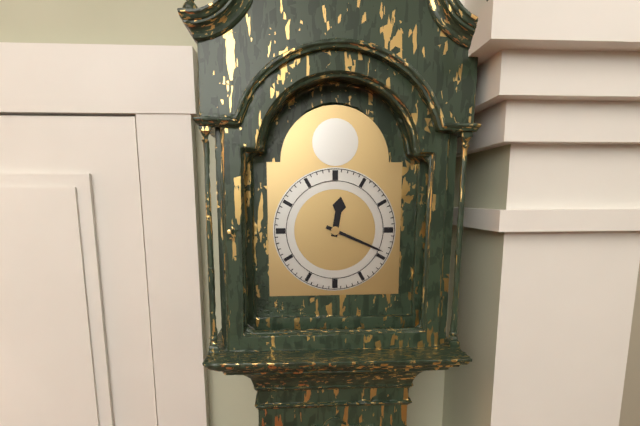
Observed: 12 h 19 min
